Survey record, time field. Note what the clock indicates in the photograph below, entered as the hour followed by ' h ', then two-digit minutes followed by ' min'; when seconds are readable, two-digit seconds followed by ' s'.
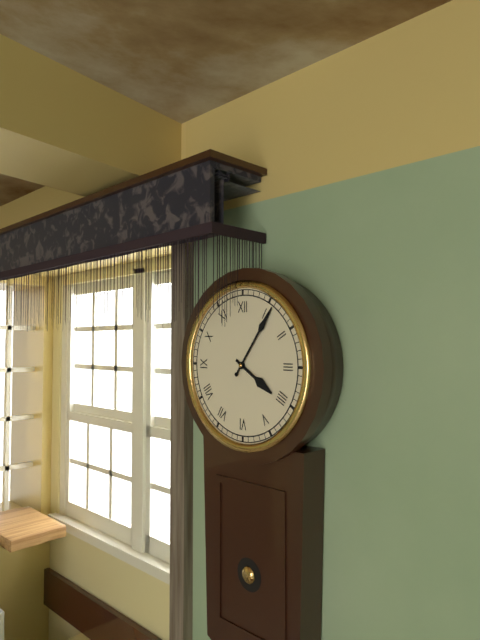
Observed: 4 h 06 min
